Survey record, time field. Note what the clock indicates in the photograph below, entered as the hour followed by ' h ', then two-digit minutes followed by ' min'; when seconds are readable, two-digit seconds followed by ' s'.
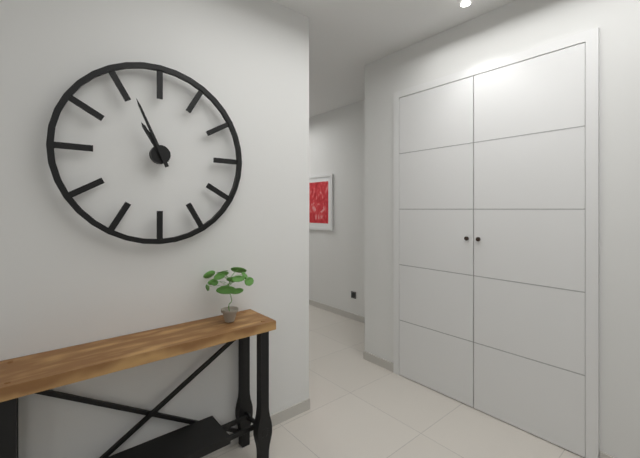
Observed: 10 h 56 min
